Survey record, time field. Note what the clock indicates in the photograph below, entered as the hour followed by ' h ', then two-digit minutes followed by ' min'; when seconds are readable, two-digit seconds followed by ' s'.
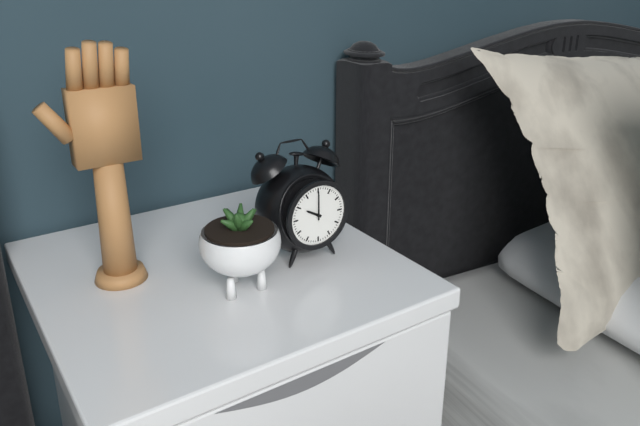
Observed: 10 h 00 min
